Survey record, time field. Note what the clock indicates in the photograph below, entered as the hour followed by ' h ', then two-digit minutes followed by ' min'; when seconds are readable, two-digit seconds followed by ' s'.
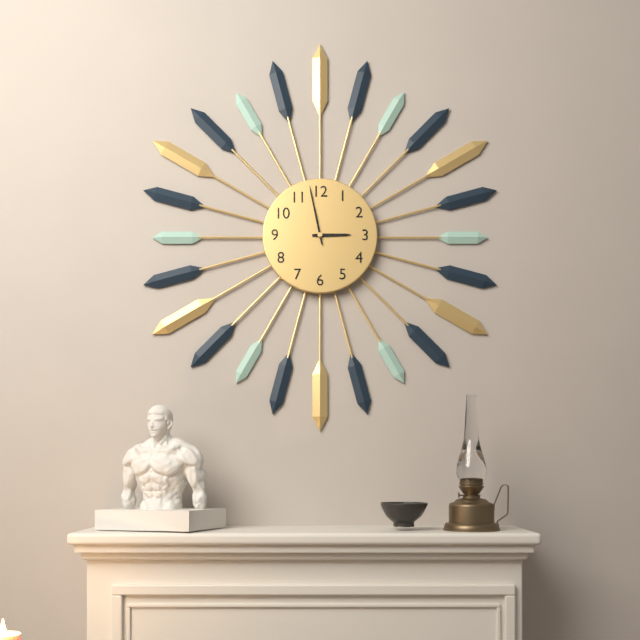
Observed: 2 h 58 min
